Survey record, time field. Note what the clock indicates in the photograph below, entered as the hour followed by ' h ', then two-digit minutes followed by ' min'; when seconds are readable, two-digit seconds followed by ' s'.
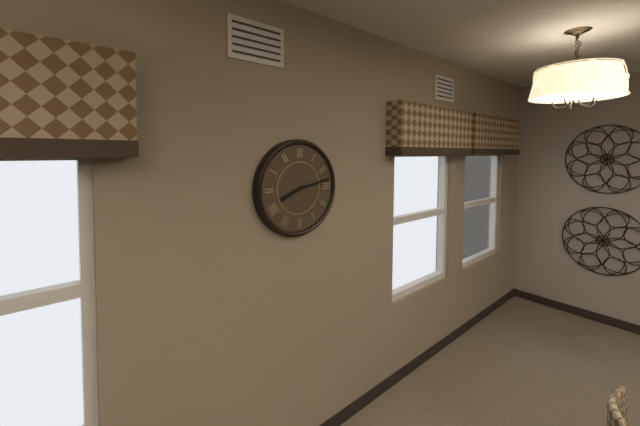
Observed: 8 h 13 min
